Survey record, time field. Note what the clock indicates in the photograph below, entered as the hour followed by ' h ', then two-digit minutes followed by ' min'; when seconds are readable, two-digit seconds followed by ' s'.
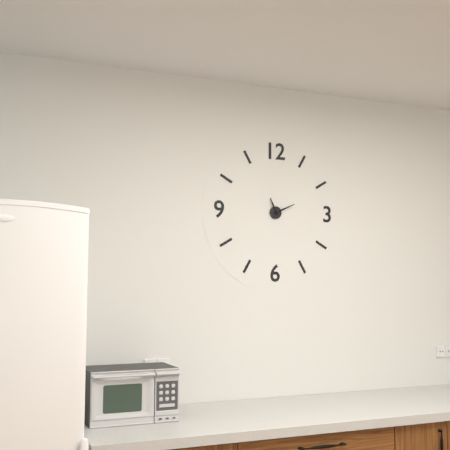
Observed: 11 h 11 min
